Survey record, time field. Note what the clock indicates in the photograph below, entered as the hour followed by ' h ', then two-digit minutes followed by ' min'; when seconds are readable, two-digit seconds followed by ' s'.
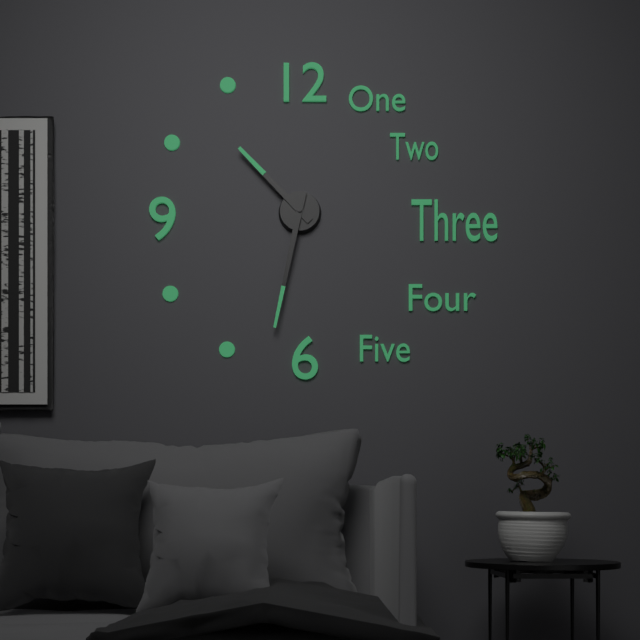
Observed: 10 h 32 min
